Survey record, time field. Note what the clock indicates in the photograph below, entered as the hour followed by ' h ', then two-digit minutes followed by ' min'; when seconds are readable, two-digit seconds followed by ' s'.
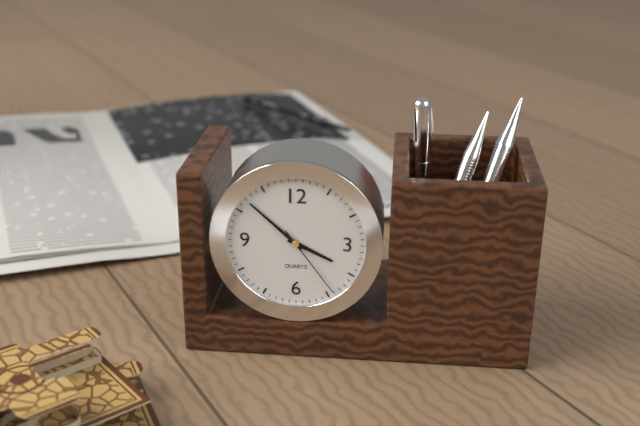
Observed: 3 h 52 min 24 s
